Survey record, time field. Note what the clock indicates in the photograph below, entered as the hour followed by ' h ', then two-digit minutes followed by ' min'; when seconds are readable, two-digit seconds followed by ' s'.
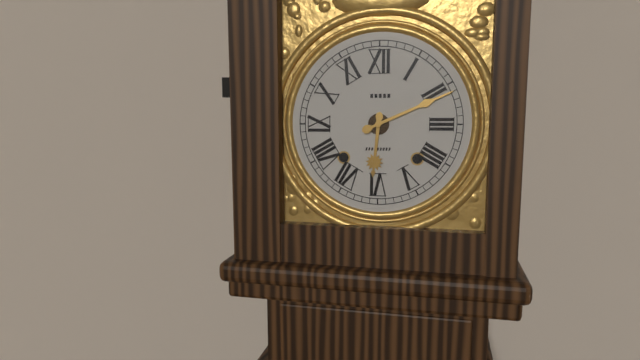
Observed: 6 h 11 min
